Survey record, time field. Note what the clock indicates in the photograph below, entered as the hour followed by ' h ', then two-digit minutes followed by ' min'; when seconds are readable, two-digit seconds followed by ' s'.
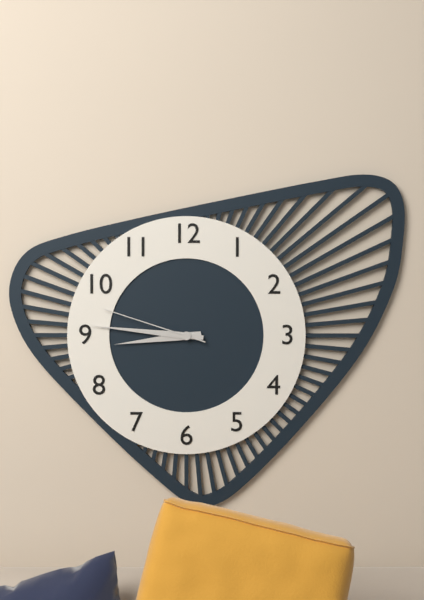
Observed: 8 h 46 min 48 s
